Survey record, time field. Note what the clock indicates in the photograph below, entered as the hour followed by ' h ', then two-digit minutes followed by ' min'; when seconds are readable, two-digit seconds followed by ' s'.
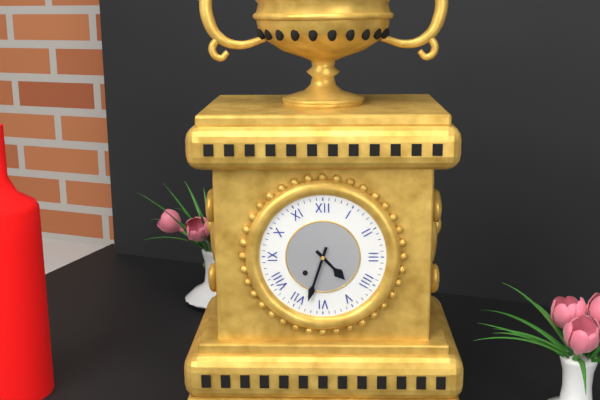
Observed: 4 h 33 min
